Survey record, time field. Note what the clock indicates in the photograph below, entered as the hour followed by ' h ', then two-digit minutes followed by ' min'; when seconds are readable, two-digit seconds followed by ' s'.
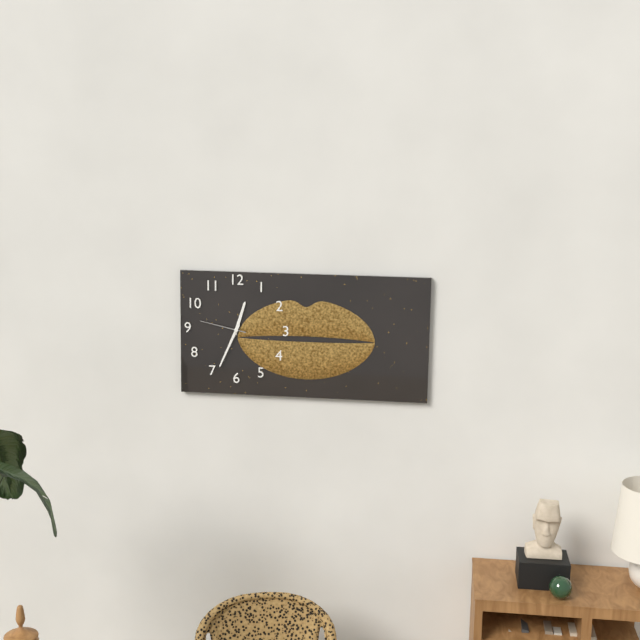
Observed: 12 h 34 min
